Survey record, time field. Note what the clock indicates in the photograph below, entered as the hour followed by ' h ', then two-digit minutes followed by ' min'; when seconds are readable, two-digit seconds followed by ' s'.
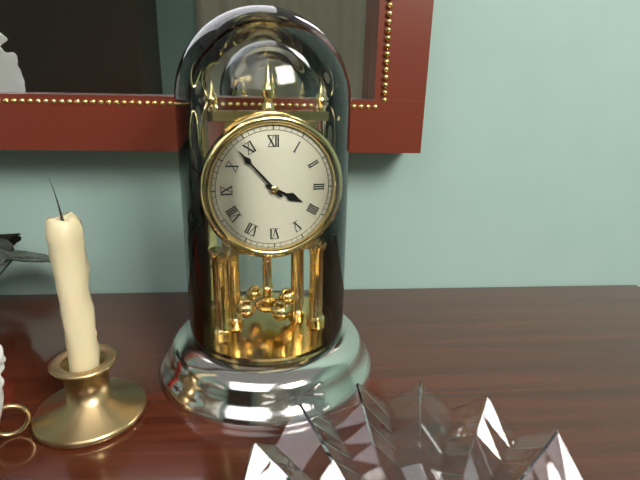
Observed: 3 h 53 min
